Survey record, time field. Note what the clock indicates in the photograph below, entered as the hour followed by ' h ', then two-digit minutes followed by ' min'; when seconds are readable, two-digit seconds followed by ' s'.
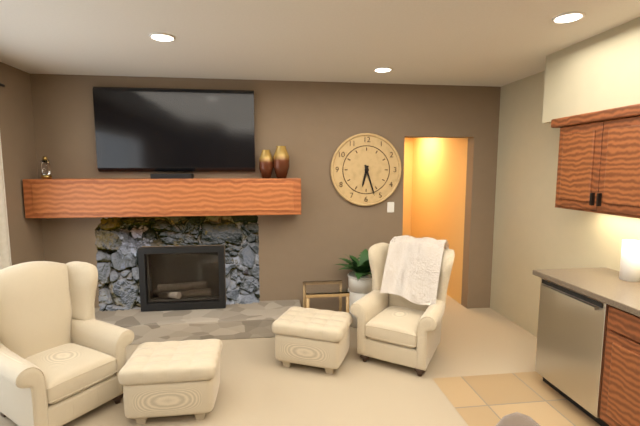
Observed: 6 h 27 min
